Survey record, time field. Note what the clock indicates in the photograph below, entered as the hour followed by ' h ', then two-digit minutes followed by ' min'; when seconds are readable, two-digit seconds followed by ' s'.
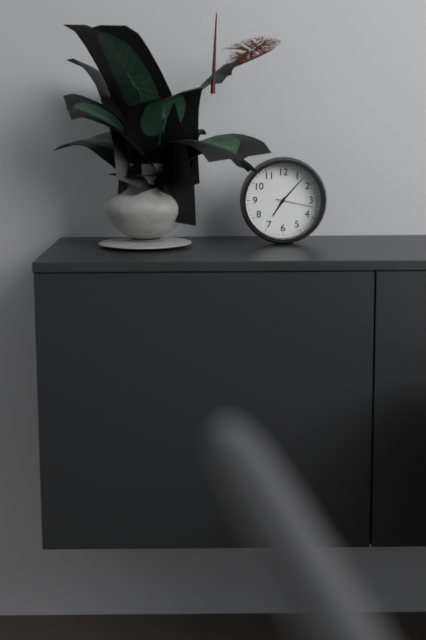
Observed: 7 h 07 min
